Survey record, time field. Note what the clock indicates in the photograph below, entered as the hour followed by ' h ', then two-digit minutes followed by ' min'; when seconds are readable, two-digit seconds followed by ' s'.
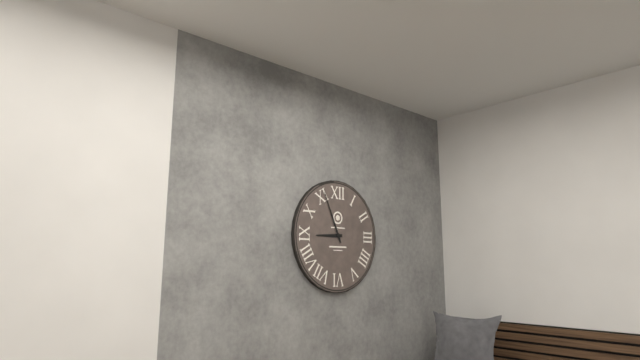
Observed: 8 h 56 min
